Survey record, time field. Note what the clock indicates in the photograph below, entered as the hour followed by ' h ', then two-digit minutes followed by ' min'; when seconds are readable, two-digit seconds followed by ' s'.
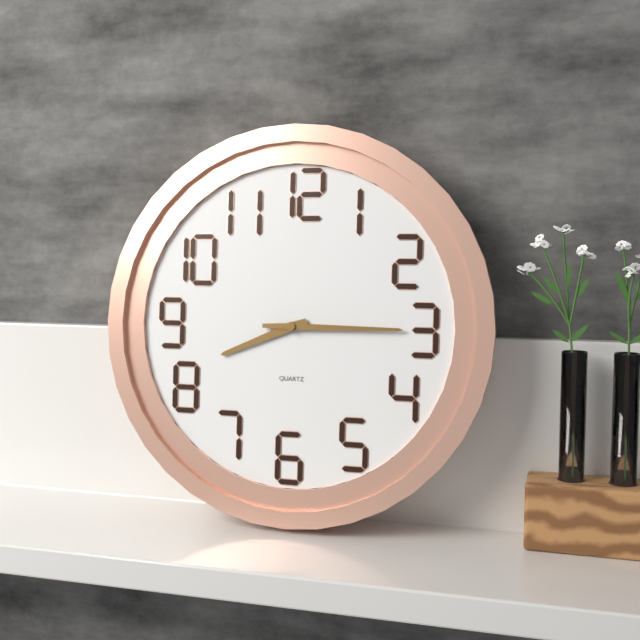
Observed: 8 h 15 min
